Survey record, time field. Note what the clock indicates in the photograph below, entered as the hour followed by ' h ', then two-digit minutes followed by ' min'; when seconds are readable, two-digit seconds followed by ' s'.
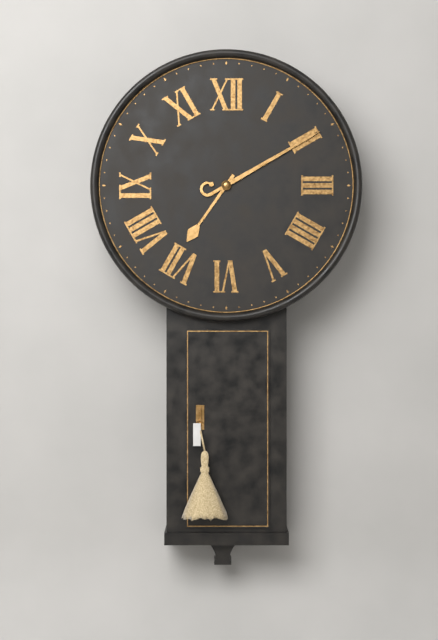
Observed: 7 h 10 min
